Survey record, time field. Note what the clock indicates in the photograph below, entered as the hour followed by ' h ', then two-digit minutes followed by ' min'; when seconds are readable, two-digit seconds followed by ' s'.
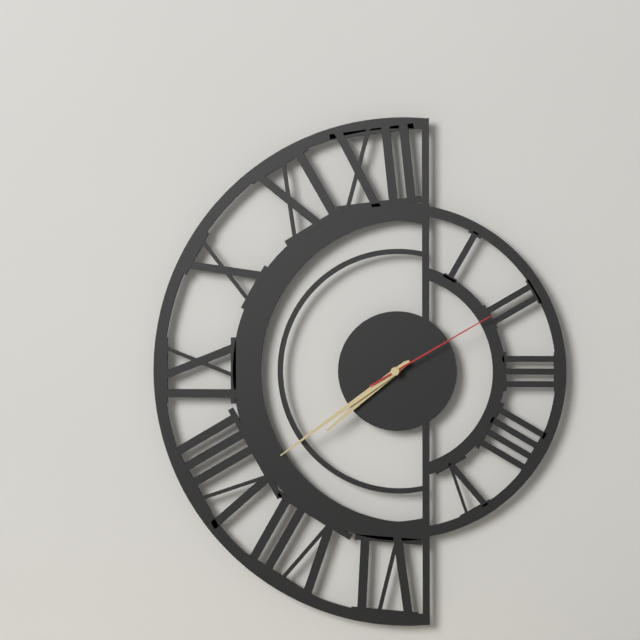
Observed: 7 h 39 min 10 s
